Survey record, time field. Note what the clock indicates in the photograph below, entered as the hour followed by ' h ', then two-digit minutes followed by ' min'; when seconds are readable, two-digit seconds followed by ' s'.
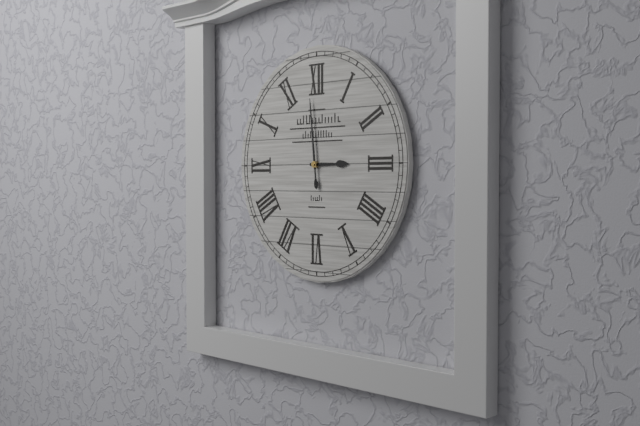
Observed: 2 h 59 min
